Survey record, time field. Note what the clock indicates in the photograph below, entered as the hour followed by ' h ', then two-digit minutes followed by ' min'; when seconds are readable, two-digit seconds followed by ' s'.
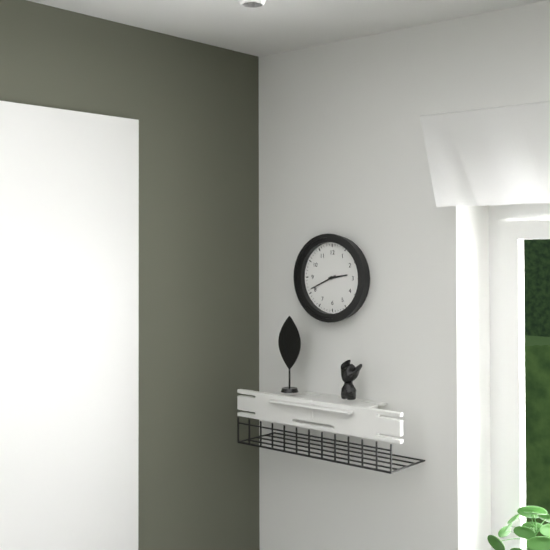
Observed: 2 h 41 min
